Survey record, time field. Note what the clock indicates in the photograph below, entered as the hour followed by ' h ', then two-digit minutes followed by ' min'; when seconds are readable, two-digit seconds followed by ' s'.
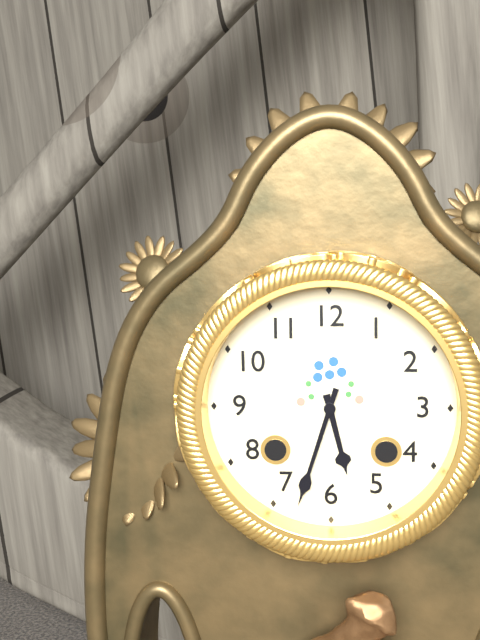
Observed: 5 h 33 min
